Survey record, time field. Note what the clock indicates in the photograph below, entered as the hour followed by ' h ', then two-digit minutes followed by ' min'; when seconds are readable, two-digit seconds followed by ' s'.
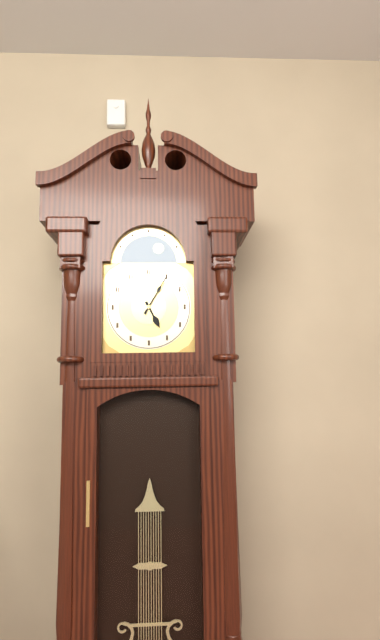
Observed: 5 h 05 min
